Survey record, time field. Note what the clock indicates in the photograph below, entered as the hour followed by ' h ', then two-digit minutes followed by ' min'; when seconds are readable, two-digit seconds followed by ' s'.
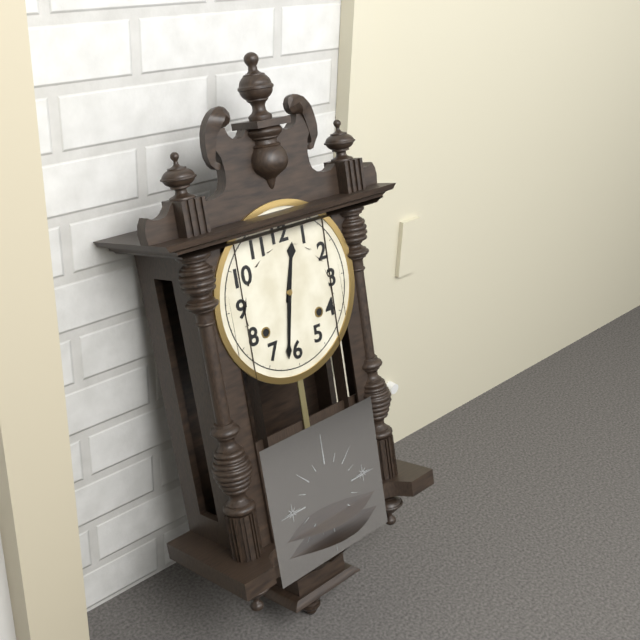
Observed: 12 h 32 min
